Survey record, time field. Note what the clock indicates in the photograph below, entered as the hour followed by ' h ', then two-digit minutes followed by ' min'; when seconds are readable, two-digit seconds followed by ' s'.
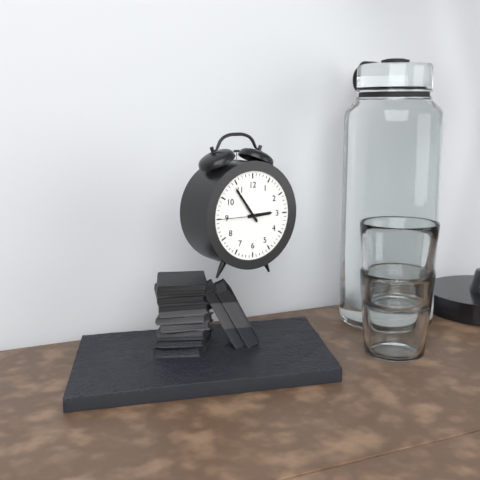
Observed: 2 h 54 min
